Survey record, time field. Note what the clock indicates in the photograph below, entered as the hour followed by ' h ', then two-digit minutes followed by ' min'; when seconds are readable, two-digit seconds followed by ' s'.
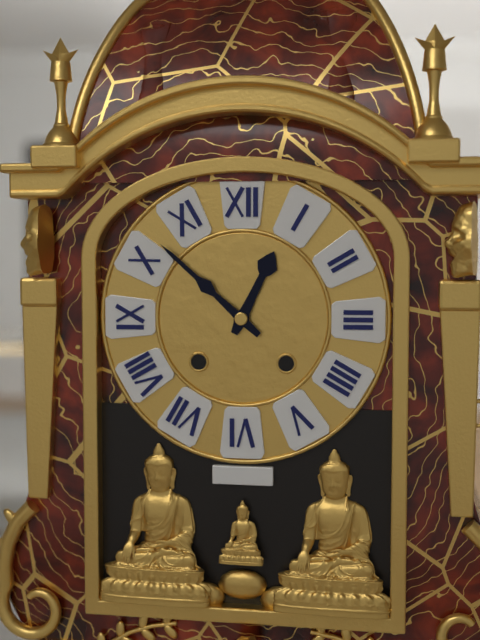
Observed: 12 h 52 min
